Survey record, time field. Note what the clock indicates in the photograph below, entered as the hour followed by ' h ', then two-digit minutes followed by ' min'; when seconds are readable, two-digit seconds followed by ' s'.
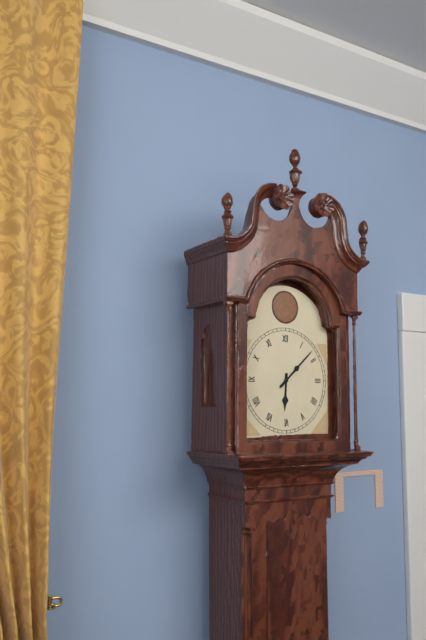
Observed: 6 h 08 min
